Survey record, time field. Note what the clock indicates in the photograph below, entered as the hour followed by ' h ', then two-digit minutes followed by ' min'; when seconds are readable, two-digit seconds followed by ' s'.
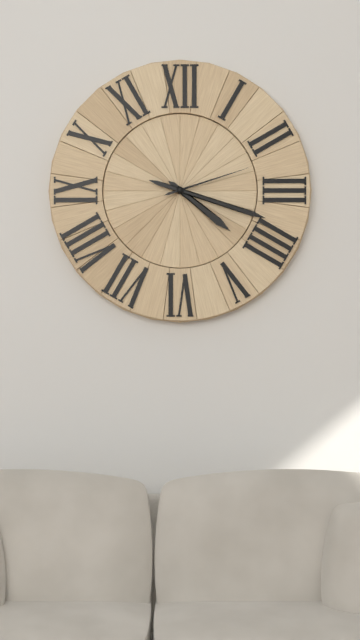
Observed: 4 h 18 min 12 s
